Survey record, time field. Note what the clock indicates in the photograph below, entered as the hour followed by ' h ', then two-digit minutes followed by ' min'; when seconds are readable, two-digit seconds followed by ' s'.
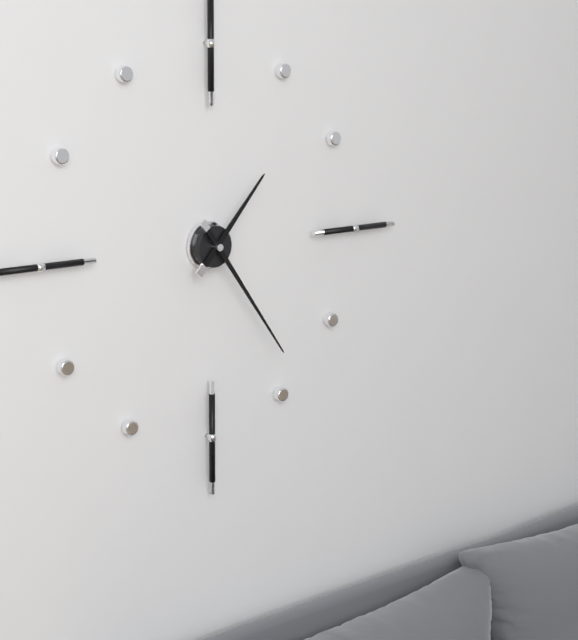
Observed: 1 h 24 min
